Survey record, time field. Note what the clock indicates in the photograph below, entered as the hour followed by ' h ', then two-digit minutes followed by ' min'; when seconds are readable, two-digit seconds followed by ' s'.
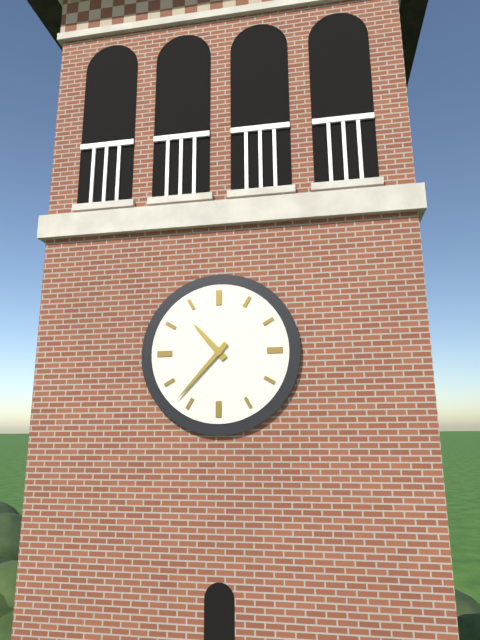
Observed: 10 h 37 min
